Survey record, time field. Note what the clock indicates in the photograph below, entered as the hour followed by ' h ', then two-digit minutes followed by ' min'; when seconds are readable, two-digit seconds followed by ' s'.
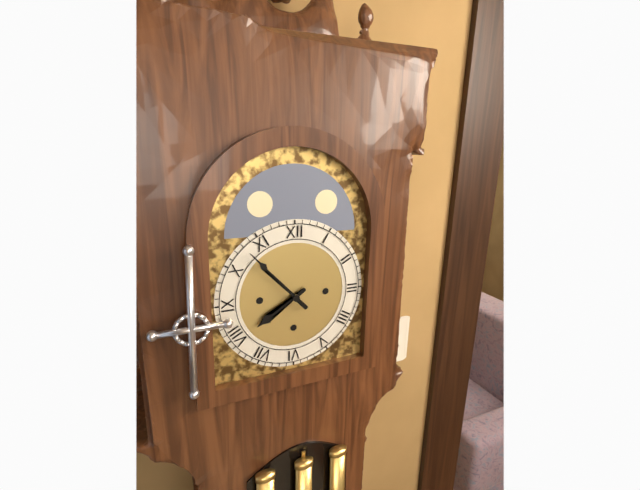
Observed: 7 h 53 min
